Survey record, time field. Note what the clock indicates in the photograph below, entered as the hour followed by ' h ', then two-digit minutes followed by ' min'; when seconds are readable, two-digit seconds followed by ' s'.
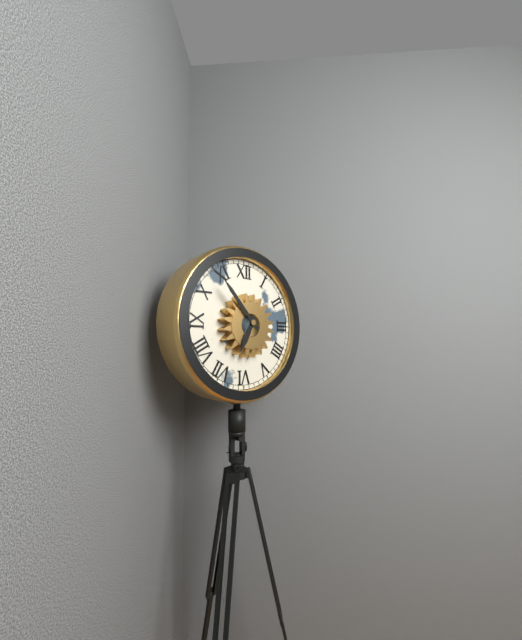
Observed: 6 h 53 min
